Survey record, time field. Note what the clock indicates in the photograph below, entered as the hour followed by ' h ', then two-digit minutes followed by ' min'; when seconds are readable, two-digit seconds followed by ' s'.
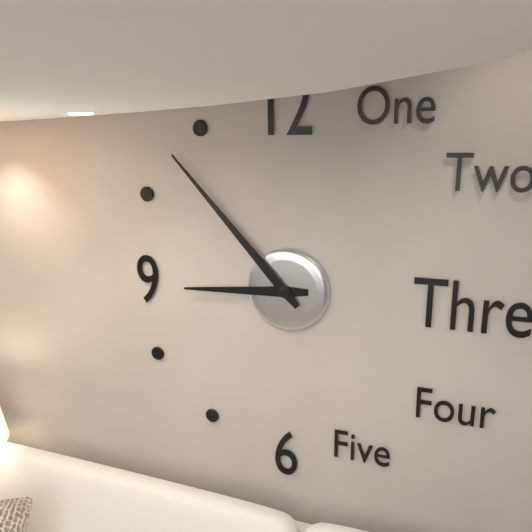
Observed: 8 h 53 min
